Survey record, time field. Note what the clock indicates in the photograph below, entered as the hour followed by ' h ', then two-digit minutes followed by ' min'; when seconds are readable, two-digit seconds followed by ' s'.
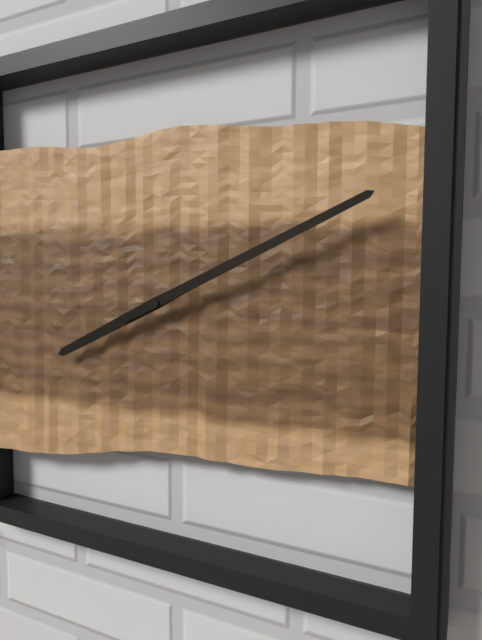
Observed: 8 h 11 min
